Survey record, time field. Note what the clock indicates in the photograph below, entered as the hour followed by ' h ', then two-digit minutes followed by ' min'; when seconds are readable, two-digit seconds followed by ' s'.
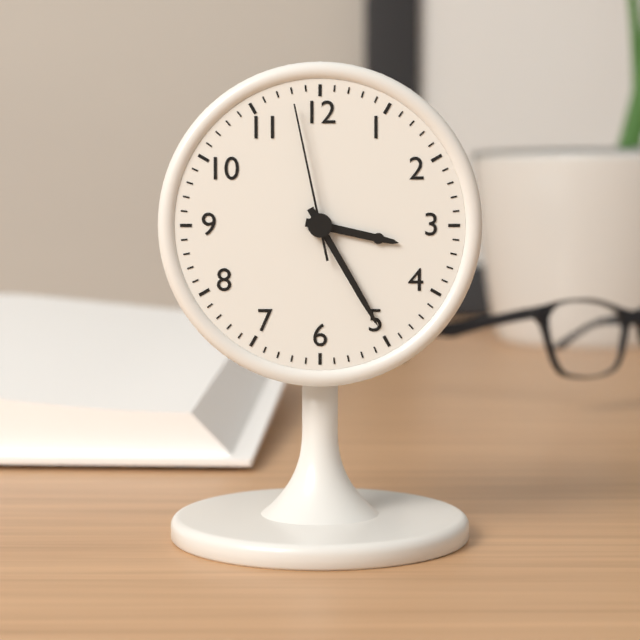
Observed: 3 h 25 min 58 s
